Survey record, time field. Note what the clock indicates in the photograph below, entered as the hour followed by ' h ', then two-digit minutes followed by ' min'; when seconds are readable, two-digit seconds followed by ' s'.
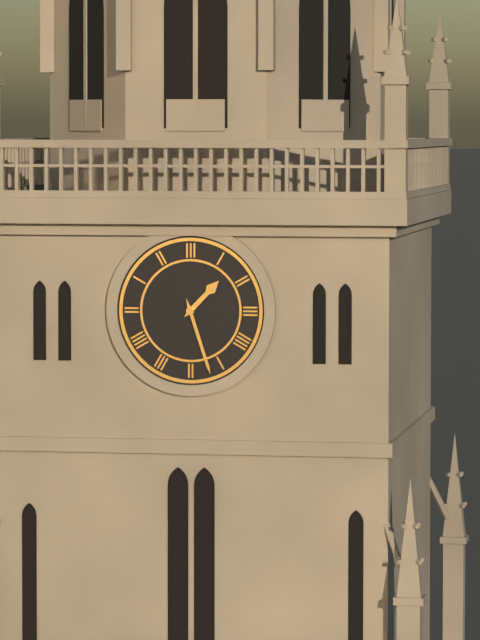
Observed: 1 h 27 min
